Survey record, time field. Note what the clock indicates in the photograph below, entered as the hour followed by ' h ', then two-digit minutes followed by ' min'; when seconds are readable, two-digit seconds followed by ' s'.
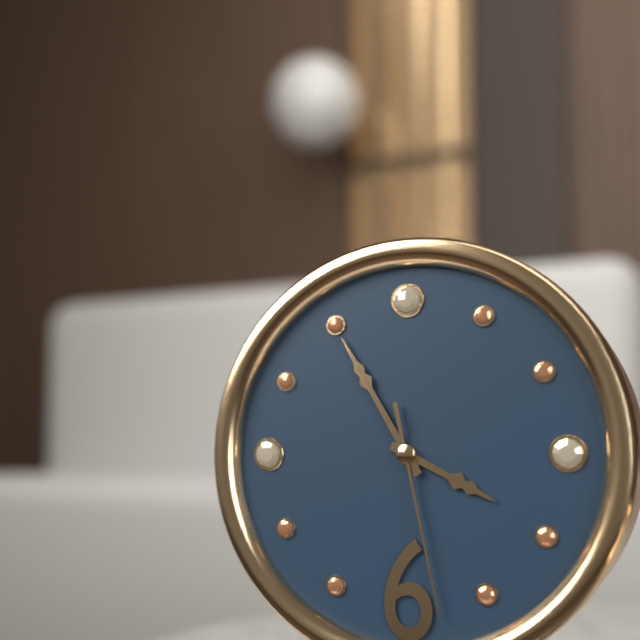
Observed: 3 h 55 min 28 s
